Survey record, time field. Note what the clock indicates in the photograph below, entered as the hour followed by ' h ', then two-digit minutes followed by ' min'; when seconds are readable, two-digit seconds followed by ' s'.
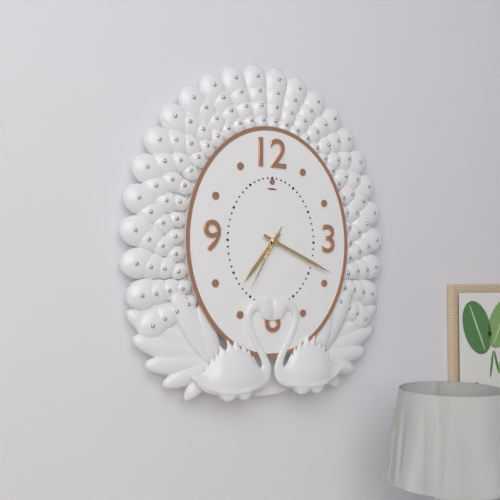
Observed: 7 h 19 min 35 s
